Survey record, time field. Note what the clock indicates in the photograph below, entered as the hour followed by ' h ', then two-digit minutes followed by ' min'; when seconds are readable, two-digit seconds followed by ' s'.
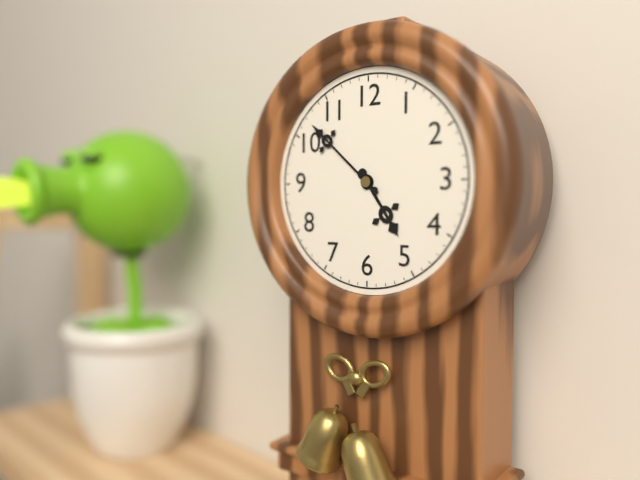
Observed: 4 h 52 min
